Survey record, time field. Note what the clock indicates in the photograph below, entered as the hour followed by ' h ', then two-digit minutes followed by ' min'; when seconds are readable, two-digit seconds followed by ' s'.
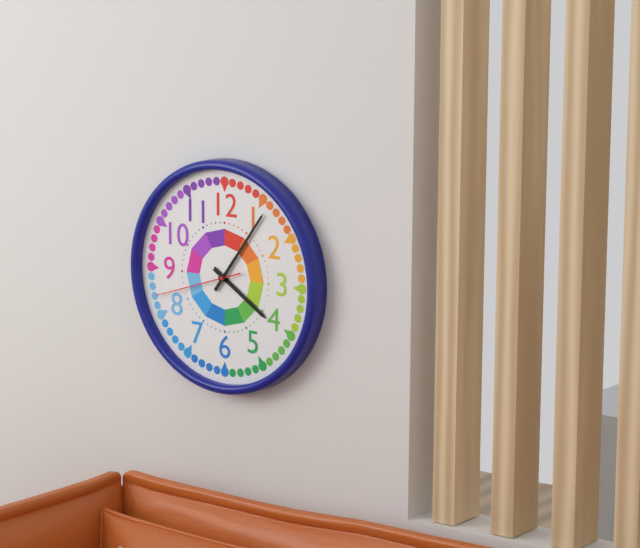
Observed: 4 h 06 min 42 s
